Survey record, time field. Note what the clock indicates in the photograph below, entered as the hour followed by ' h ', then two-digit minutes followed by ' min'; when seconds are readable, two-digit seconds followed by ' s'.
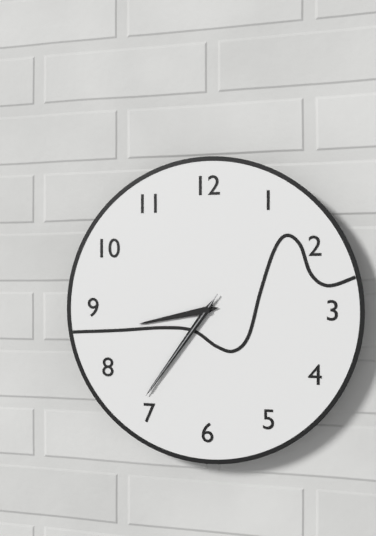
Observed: 8 h 36 min 36 s
